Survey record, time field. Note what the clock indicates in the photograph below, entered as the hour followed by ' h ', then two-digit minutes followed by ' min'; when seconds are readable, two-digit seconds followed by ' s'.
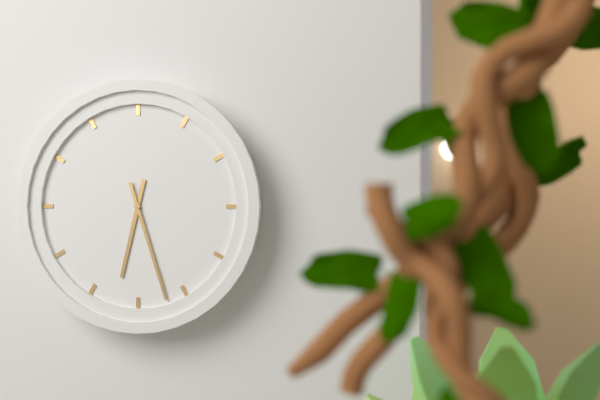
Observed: 6 h 27 min
